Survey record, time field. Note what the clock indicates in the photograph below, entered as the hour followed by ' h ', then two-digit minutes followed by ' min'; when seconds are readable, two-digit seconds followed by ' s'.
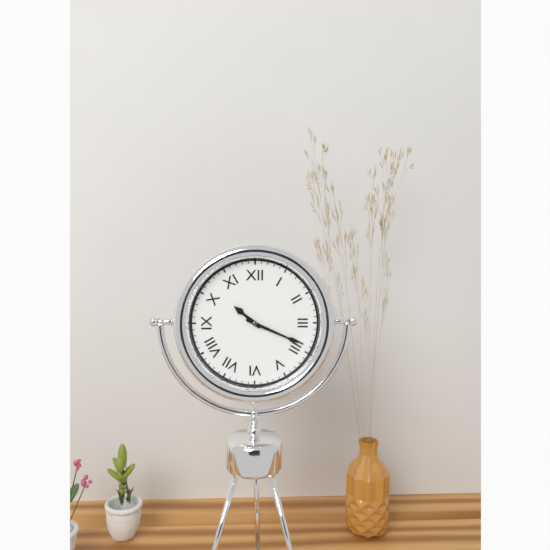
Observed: 10 h 19 min
